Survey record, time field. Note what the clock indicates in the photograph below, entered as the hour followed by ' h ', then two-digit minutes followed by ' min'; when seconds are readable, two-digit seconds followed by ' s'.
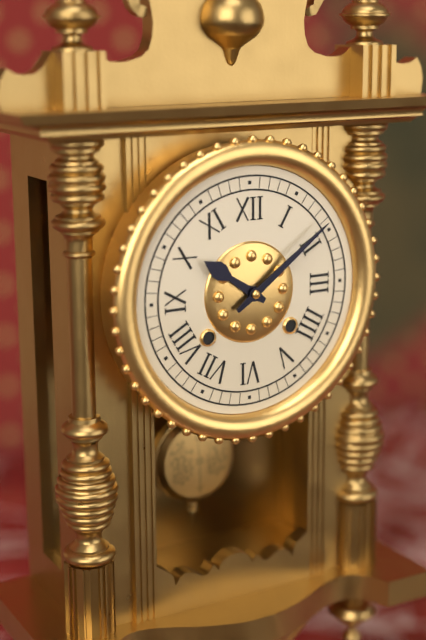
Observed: 10 h 09 min
